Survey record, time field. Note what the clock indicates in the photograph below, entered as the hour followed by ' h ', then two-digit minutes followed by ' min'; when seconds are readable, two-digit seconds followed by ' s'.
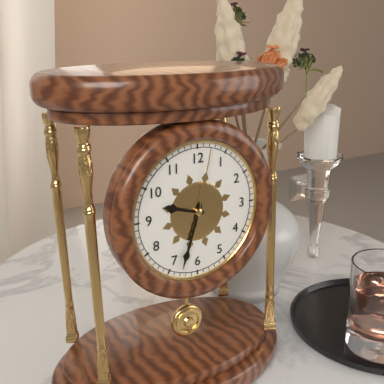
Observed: 9 h 33 min 02 s
